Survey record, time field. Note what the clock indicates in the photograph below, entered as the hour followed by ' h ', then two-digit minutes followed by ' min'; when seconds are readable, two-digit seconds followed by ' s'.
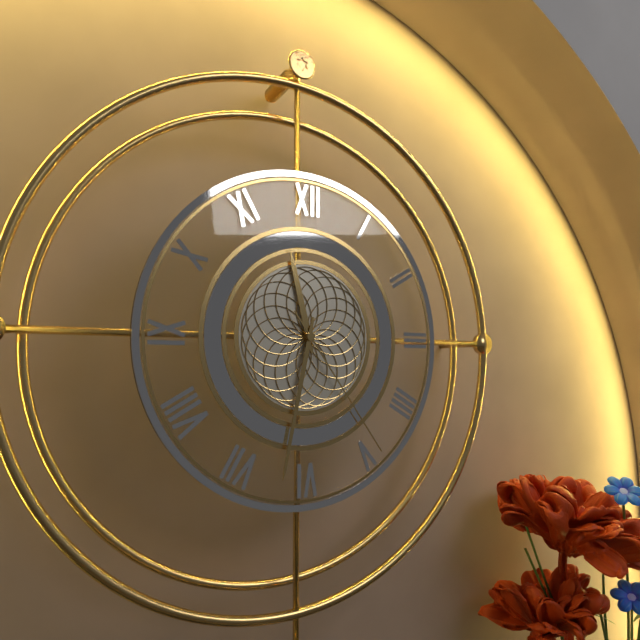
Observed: 11 h 32 min 24 s
